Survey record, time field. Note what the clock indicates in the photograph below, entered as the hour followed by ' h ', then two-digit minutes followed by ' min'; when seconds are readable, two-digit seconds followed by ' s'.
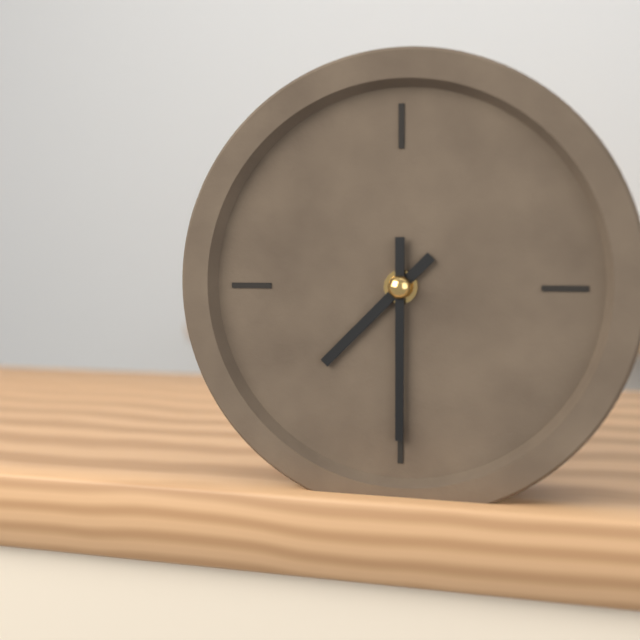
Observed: 7 h 30 min
